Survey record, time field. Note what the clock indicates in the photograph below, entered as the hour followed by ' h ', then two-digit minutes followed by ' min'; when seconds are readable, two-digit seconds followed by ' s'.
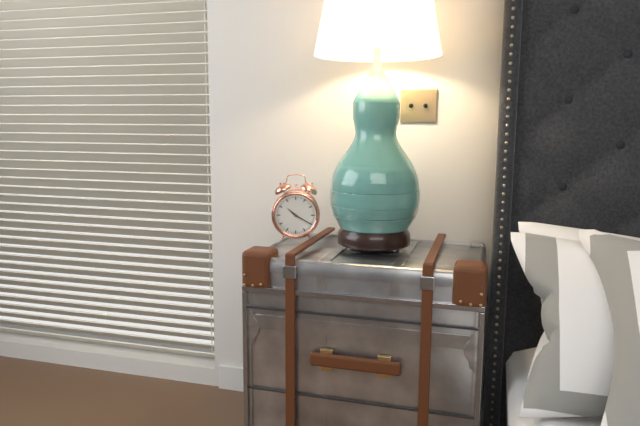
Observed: 10 h 20 min
